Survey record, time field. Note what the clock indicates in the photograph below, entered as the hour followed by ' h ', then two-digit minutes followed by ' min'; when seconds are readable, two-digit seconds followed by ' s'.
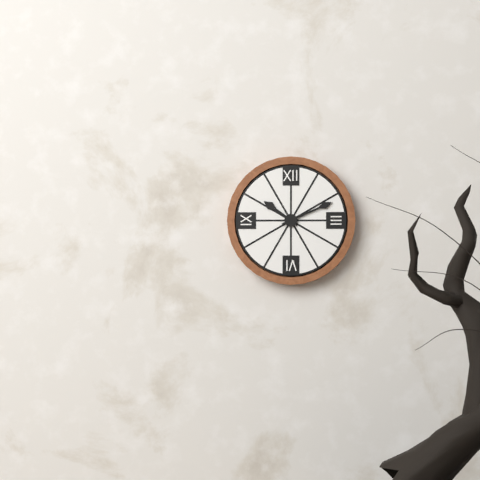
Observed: 10 h 11 min
